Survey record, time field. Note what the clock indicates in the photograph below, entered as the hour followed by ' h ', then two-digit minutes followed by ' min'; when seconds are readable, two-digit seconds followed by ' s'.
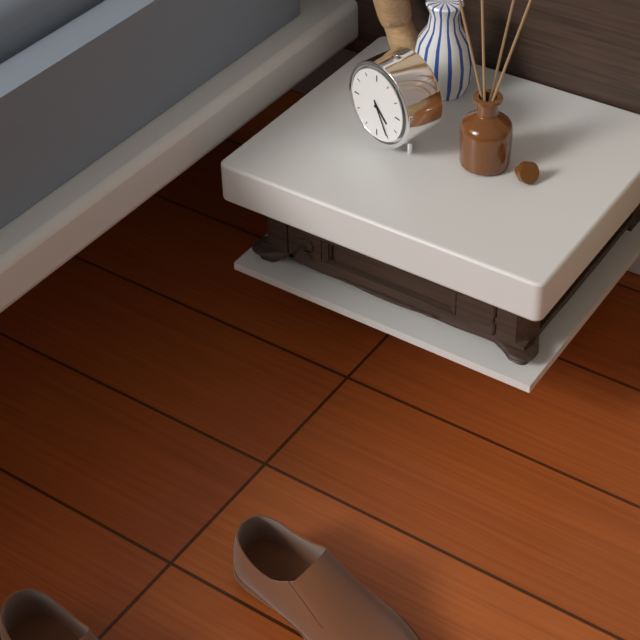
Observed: 4 h 25 min
